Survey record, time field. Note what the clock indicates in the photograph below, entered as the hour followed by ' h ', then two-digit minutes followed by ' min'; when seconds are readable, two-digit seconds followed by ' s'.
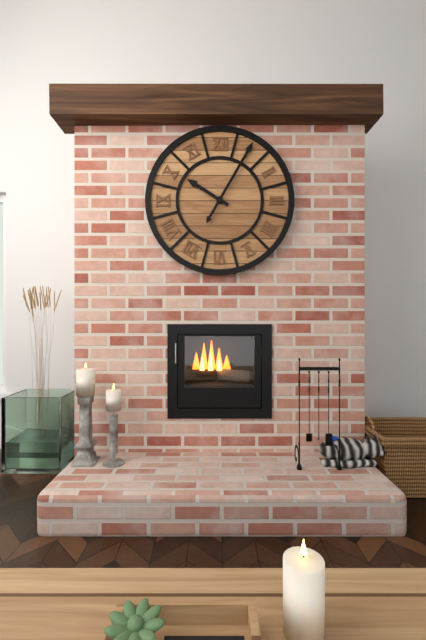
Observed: 10 h 05 min
